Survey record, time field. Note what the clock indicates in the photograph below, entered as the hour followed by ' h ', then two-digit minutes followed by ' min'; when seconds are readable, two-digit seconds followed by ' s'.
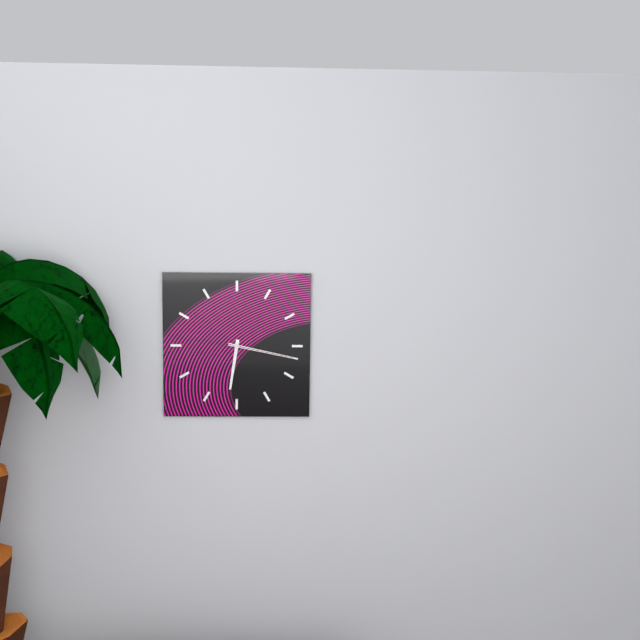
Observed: 6 h 17 min 17 s
